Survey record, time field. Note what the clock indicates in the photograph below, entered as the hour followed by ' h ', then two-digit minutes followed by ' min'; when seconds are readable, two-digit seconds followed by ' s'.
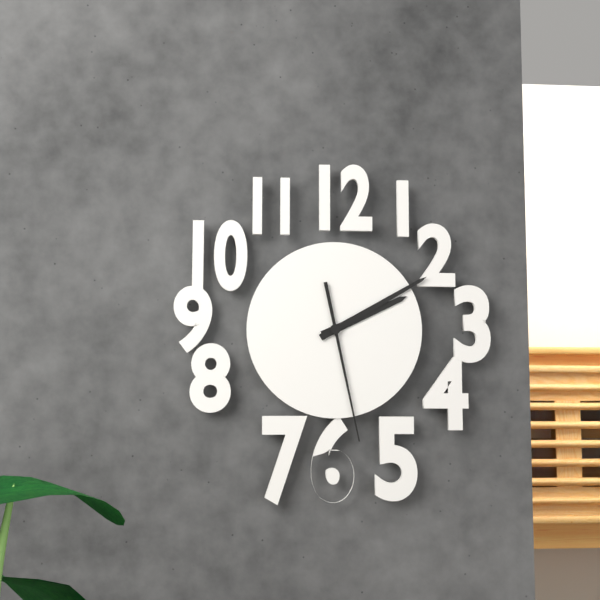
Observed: 2 h 10 min 28 s
